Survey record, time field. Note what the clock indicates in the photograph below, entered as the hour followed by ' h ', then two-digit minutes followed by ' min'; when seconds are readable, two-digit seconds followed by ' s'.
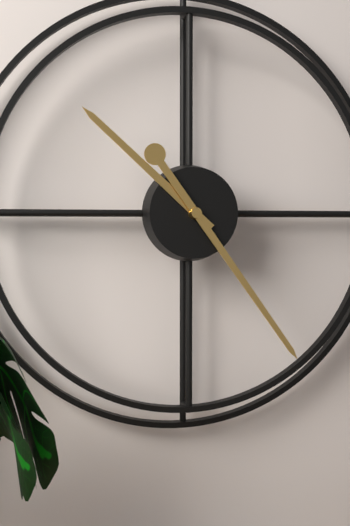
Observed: 10 h 24 min
